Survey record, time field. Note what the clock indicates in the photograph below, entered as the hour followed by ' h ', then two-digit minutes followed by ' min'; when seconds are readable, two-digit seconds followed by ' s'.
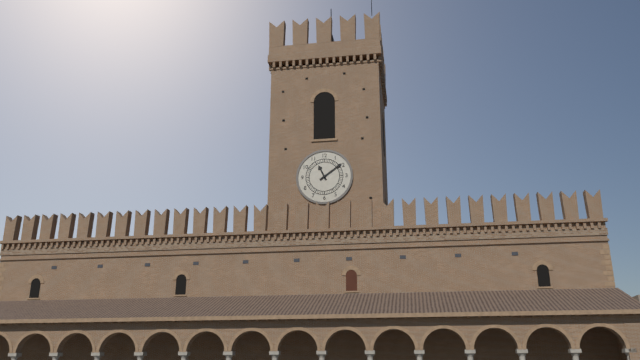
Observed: 11 h 09 min
